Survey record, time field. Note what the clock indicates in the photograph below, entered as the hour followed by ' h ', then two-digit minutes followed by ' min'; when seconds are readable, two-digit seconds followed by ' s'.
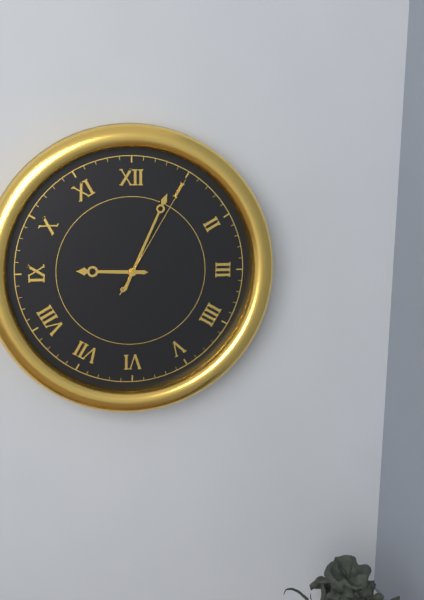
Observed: 9 h 04 min 05 s
